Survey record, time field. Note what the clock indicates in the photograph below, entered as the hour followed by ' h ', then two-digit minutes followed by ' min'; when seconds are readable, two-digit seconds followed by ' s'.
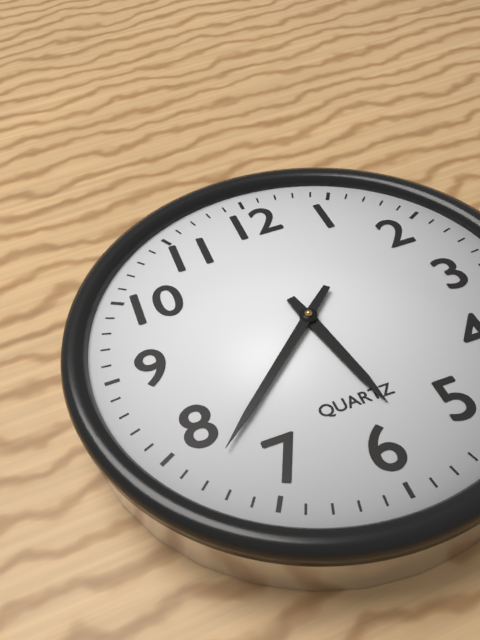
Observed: 5 h 38 min
